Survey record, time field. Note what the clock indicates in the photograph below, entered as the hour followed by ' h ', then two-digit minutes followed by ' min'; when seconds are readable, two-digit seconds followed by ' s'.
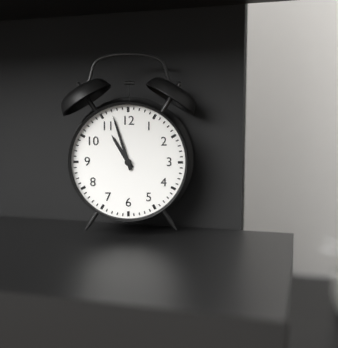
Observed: 10 h 57 min
